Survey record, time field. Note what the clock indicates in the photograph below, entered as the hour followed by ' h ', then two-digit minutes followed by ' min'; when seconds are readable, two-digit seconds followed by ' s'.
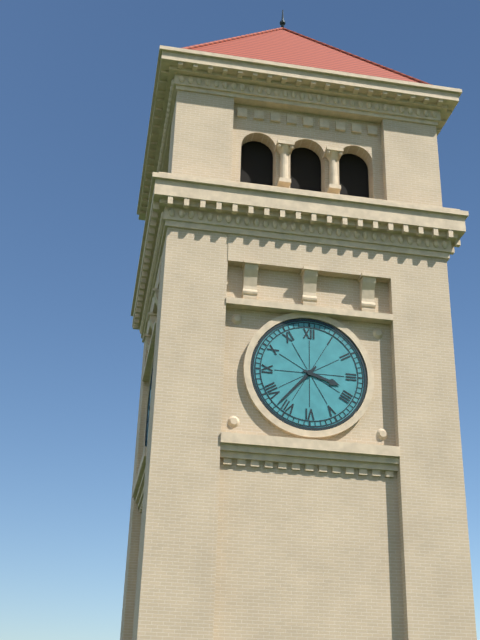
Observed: 3 h 37 min
